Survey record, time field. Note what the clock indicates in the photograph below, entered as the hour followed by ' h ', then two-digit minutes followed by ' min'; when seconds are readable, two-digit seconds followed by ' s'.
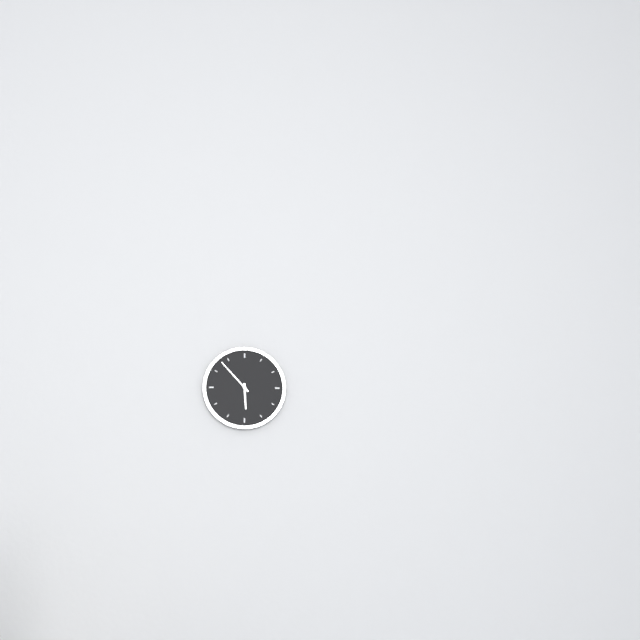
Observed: 5 h 53 min
